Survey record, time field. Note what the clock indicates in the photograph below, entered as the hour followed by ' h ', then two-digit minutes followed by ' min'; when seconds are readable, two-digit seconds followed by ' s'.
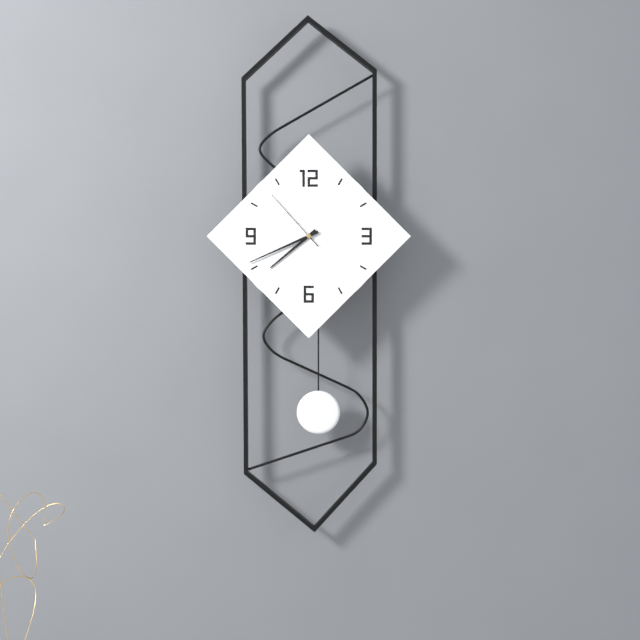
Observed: 7 h 41 min 53 s
